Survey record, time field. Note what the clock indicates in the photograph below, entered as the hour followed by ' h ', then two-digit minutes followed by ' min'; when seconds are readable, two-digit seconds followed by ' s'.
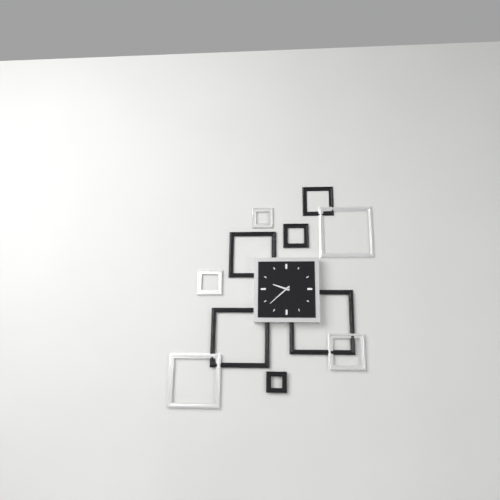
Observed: 9 h 38 min
